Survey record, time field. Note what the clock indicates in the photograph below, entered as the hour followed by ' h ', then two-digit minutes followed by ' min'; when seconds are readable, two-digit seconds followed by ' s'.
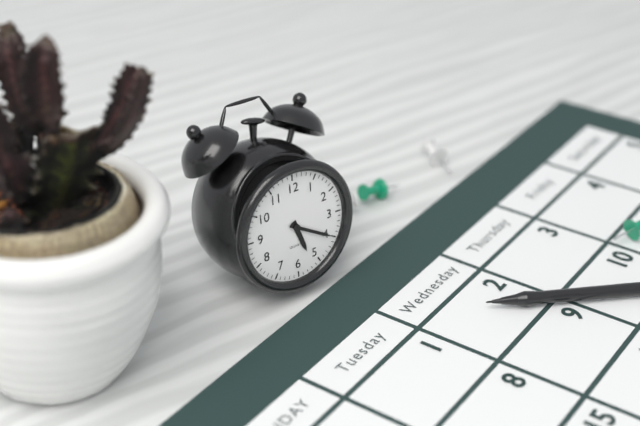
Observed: 5 h 20 min
